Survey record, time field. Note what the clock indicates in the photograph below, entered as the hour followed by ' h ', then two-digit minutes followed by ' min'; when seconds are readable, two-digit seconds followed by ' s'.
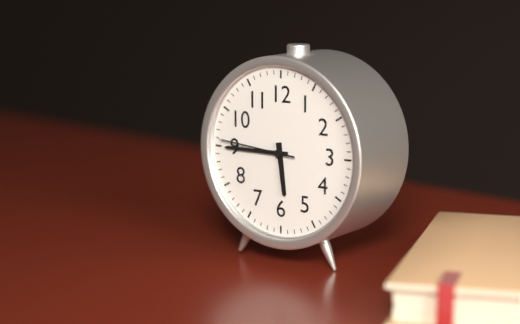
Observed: 5 h 45 min 46 s
